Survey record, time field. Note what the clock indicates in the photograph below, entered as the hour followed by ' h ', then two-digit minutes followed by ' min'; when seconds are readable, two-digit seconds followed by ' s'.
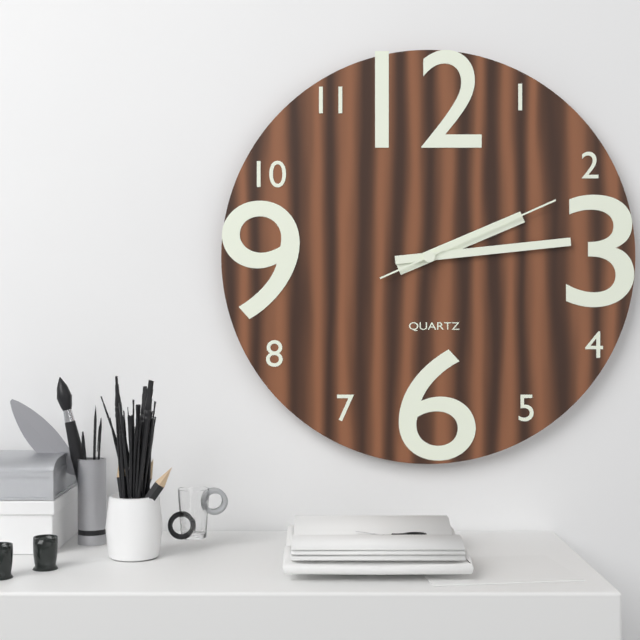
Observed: 2 h 14 min 11 s
